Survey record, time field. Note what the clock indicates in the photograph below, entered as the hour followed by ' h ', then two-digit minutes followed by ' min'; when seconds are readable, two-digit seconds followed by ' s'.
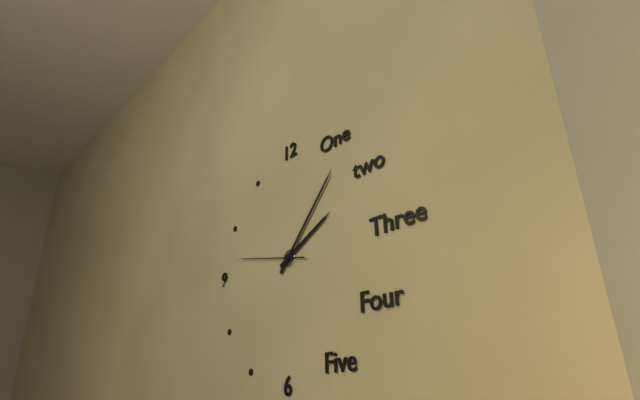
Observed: 2 h 07 min 47 s
